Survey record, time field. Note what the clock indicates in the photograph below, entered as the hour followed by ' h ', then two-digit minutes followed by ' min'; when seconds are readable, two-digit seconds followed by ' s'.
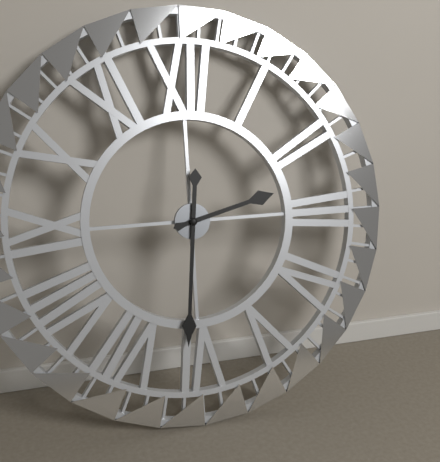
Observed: 2 h 31 min
